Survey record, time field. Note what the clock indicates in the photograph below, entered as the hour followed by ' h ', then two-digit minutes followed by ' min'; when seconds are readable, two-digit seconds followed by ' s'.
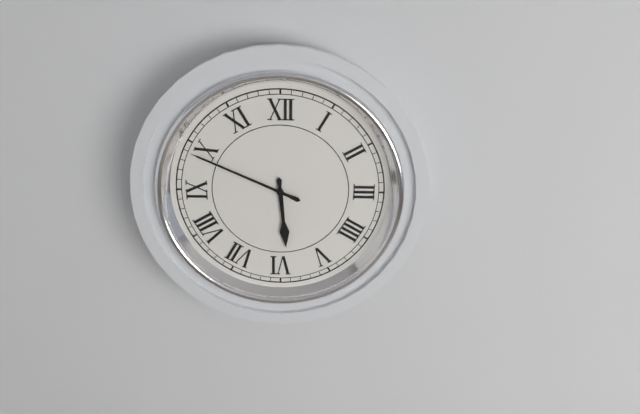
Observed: 5 h 49 min
